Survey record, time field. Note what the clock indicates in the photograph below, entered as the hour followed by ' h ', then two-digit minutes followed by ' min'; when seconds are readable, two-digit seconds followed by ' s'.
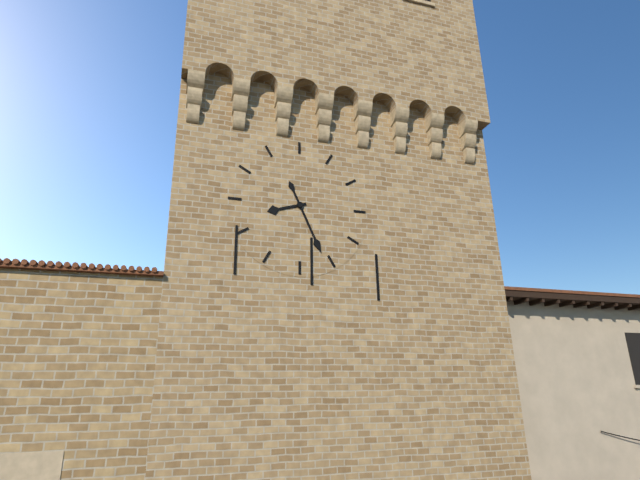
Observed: 8 h 26 min
